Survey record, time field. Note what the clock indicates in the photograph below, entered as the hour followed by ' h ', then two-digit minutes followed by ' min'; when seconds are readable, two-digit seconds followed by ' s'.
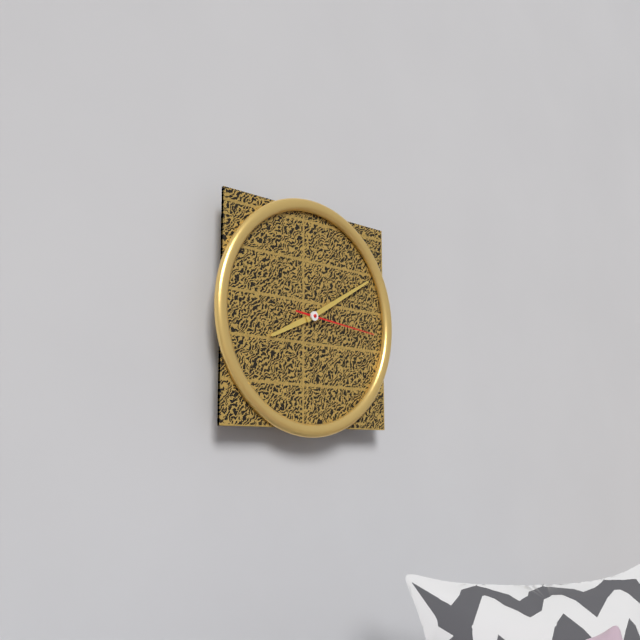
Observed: 8 h 10 min 16 s
